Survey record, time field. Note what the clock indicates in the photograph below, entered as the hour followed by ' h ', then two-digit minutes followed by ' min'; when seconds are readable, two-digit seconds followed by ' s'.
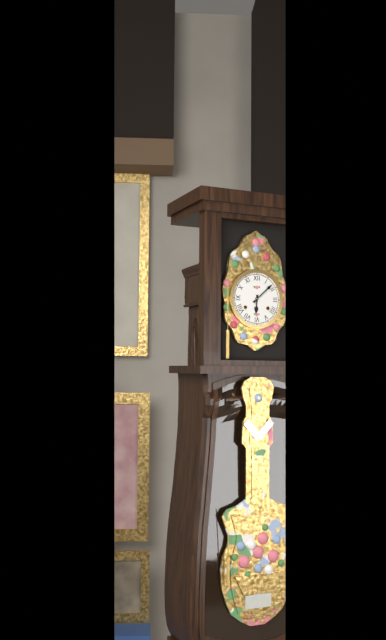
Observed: 6 h 08 min
